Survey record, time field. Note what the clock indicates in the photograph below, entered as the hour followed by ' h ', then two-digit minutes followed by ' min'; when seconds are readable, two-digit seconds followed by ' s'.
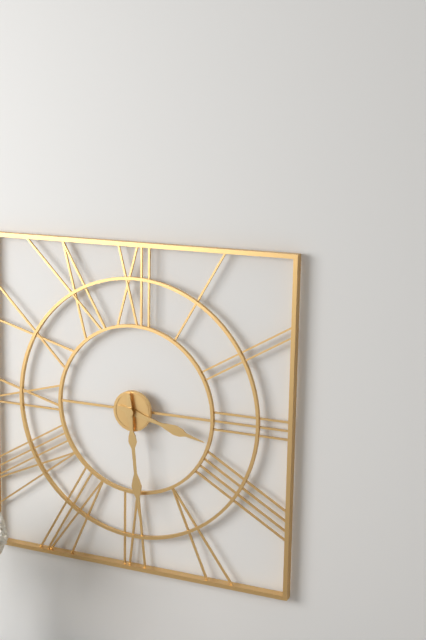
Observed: 3 h 29 min
